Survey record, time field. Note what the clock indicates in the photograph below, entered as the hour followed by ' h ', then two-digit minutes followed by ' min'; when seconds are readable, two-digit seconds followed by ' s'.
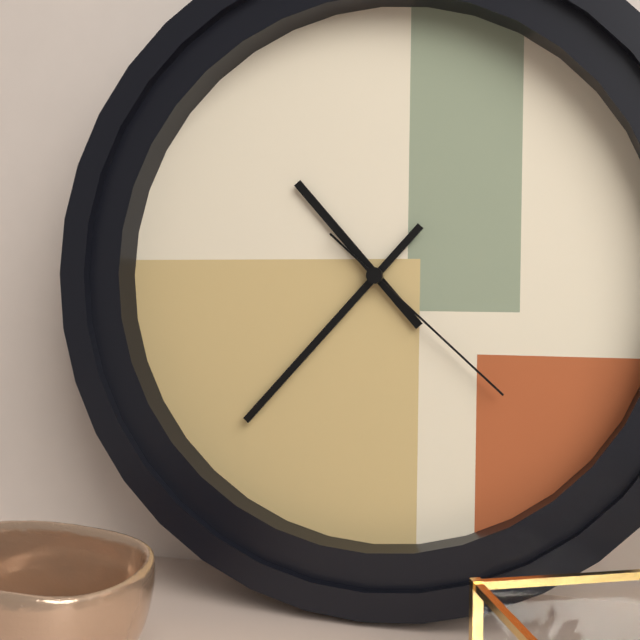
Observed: 10 h 37 min 22 s
